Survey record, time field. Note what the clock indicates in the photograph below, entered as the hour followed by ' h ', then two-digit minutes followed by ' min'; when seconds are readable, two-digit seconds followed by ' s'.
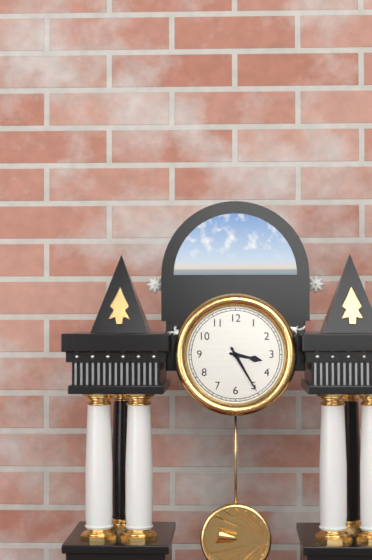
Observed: 3 h 25 min
